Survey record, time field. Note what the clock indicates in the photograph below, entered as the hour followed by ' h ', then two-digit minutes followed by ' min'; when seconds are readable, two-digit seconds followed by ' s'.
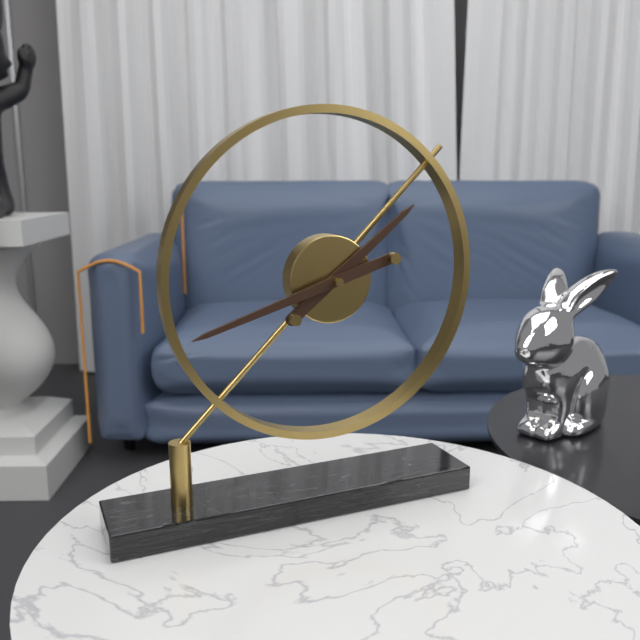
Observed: 1 h 42 min
